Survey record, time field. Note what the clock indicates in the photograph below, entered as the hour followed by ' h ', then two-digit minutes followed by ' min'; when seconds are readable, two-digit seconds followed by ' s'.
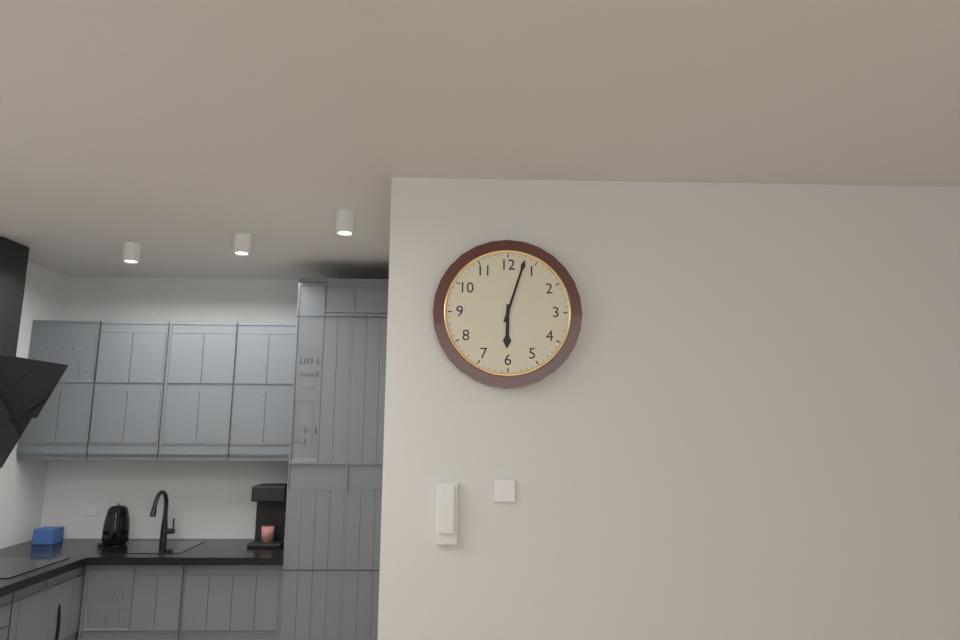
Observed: 6 h 03 min
